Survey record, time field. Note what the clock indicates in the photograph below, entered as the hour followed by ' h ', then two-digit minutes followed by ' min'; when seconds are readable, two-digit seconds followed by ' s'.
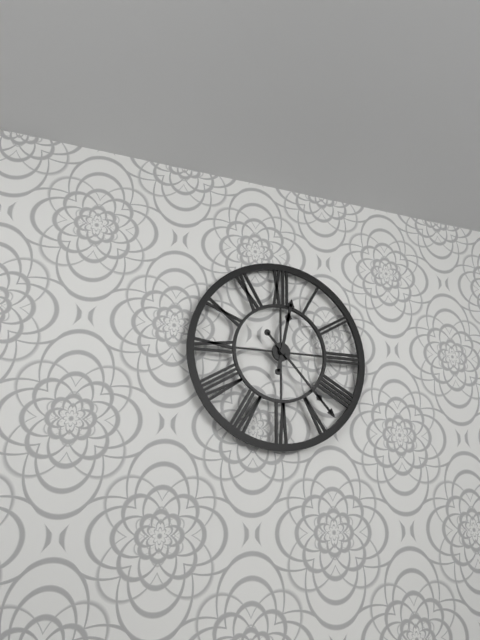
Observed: 12 h 23 min
